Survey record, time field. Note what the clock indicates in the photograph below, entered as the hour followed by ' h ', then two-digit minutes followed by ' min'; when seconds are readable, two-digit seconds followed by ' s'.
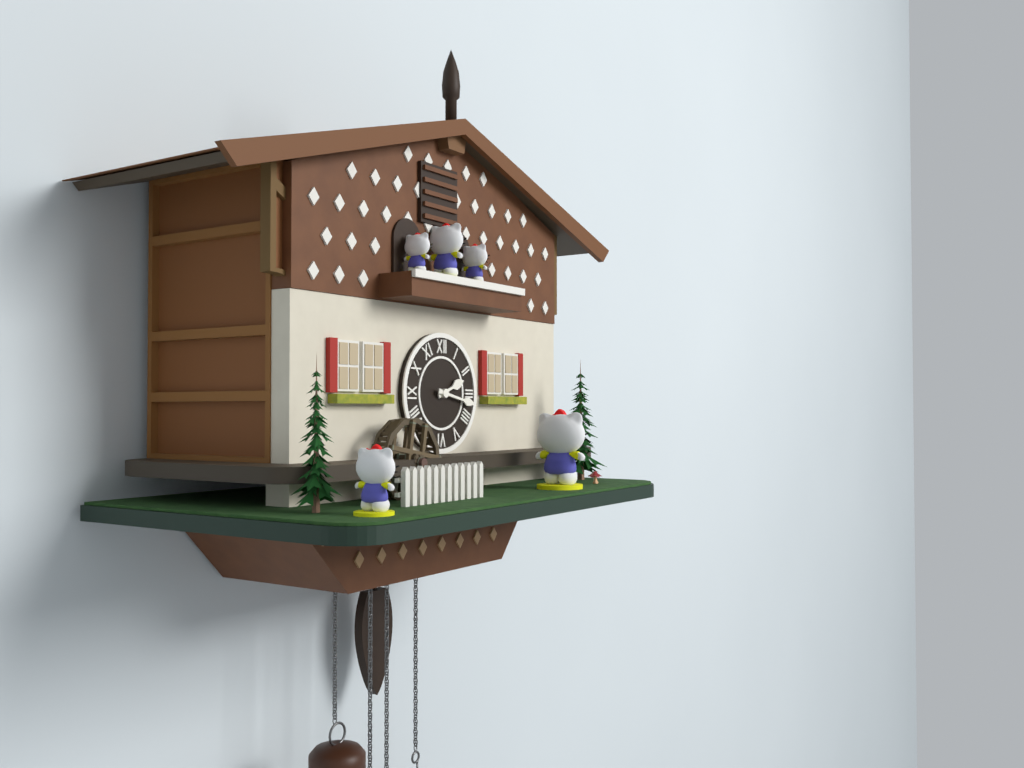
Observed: 2 h 17 min
